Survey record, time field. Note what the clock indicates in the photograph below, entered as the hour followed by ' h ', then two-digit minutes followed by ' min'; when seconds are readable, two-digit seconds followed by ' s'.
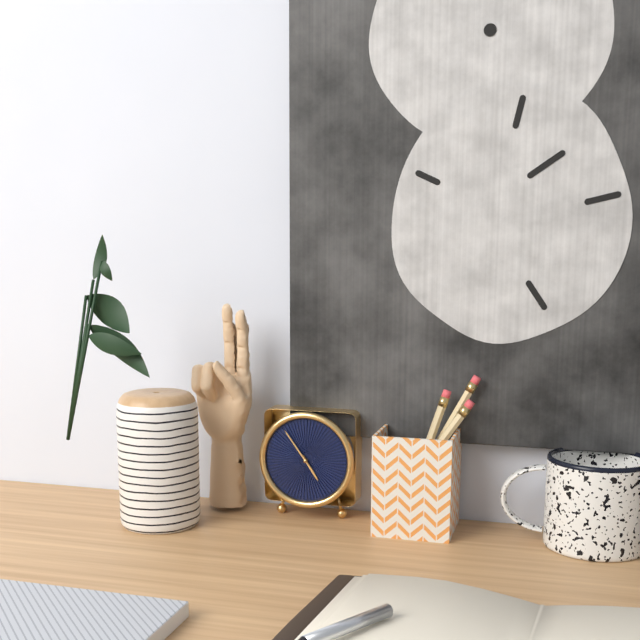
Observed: 4 h 54 min
